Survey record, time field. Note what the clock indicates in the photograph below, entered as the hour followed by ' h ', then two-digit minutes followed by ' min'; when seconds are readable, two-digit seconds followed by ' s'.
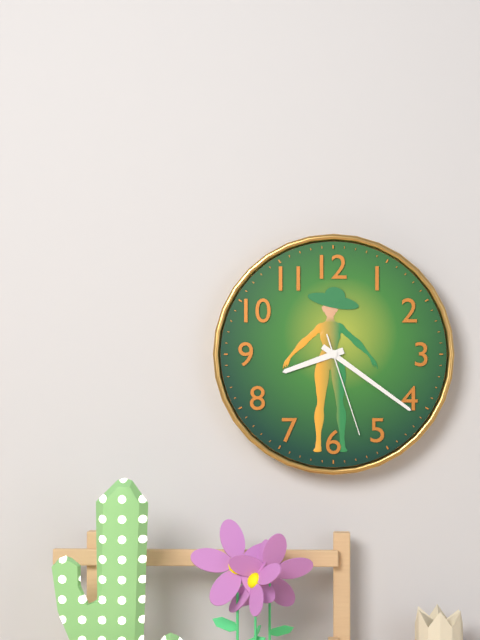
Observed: 8 h 21 min 27 s
